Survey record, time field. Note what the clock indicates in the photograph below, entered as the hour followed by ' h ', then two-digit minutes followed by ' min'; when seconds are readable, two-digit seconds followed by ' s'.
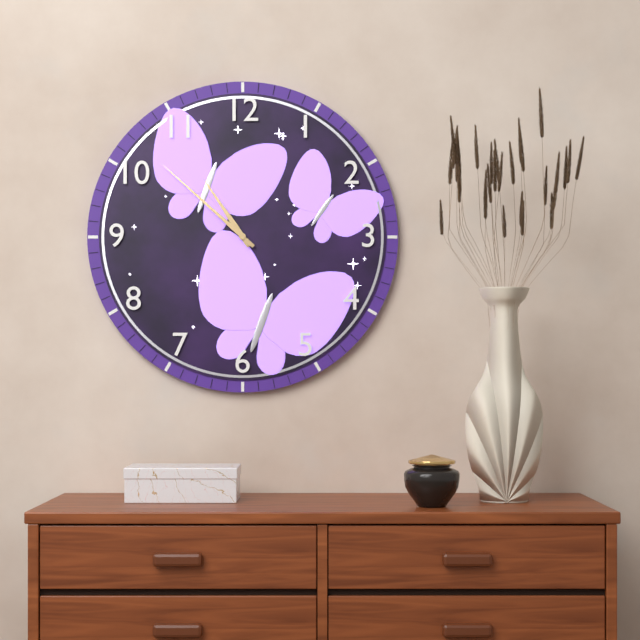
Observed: 10 h 52 min
